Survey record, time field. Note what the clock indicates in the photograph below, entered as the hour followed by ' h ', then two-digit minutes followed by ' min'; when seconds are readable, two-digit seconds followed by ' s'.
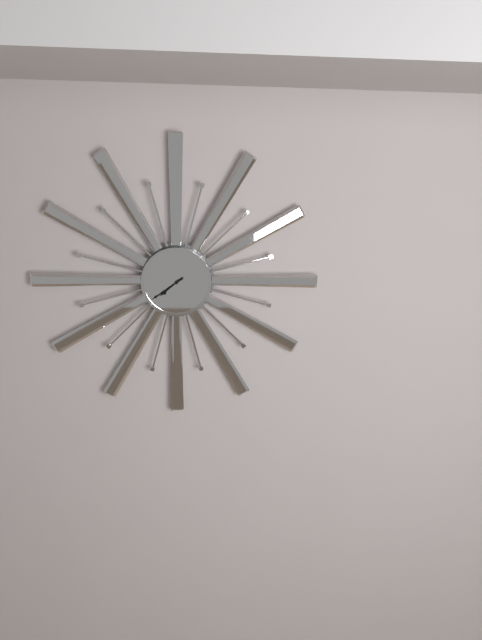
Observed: 7 h 39 min
